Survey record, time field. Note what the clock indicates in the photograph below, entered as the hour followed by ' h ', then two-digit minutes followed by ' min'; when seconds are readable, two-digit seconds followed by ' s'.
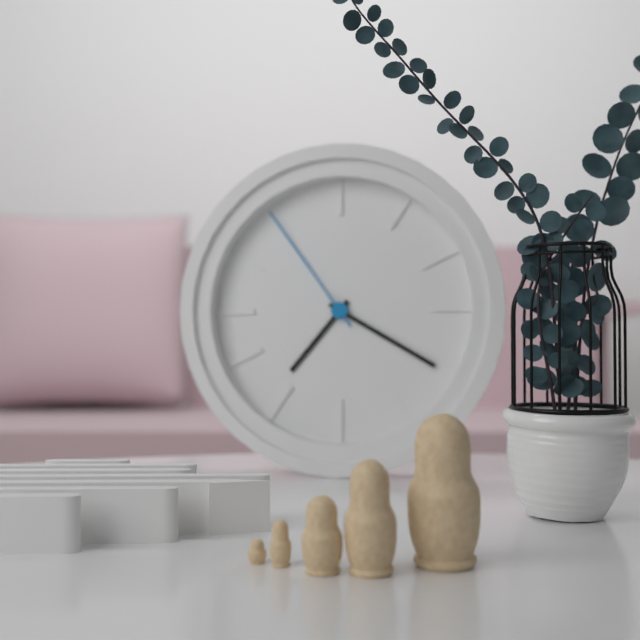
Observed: 7 h 20 min 54 s
